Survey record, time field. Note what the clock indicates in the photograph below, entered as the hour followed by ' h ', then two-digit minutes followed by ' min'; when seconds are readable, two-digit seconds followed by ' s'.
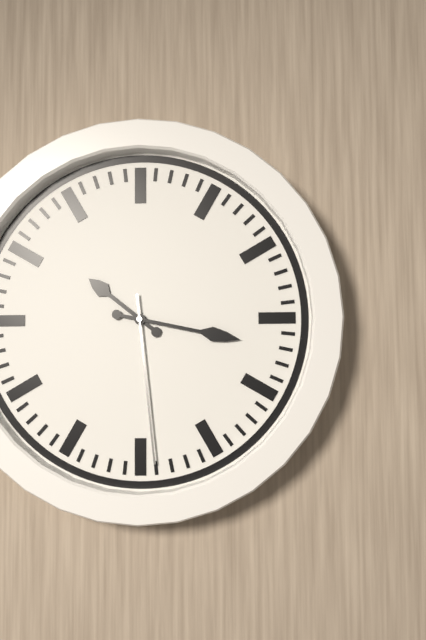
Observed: 10 h 17 min 29 s
